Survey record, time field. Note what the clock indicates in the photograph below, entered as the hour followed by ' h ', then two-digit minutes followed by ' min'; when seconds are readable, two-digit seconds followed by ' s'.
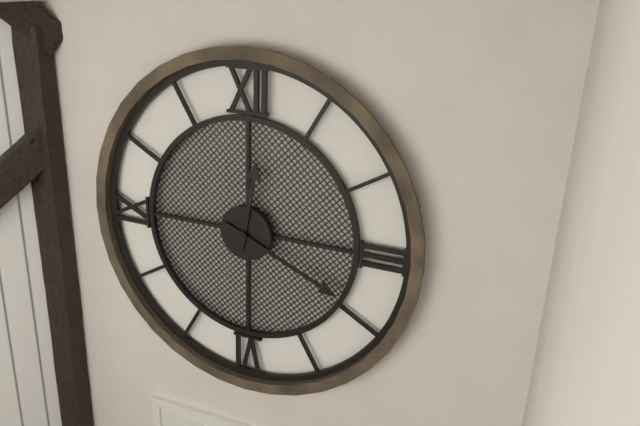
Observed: 12 h 19 min
